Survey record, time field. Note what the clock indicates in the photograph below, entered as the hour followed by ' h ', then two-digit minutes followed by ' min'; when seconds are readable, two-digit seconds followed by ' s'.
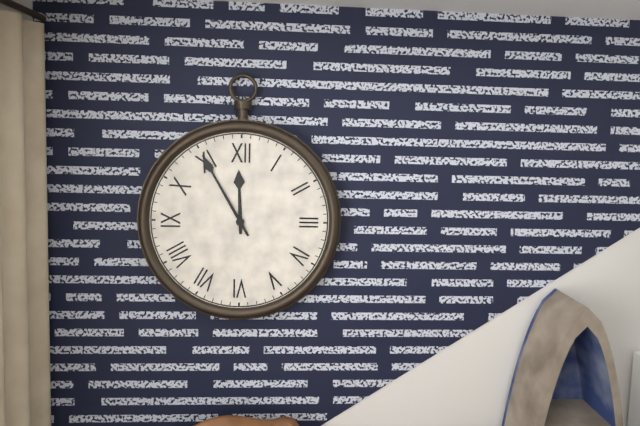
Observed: 11 h 55 min
